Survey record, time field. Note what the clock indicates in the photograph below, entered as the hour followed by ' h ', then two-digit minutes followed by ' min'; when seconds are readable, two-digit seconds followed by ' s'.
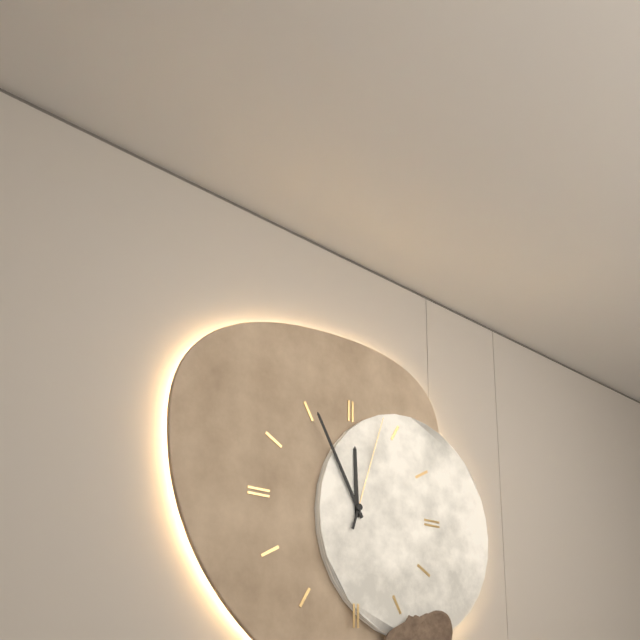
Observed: 11 h 55 min 03 s
